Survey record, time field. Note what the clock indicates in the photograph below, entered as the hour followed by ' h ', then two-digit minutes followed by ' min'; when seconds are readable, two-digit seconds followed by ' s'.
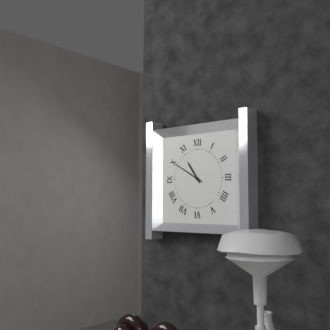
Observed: 10 h 50 min
